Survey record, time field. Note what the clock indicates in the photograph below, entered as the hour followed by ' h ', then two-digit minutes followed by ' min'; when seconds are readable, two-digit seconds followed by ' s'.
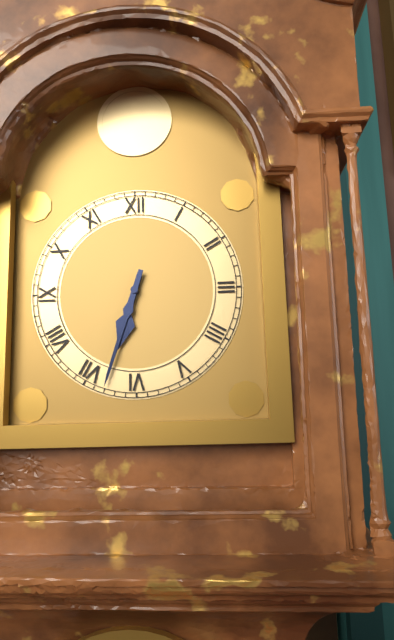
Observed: 6 h 33 min
